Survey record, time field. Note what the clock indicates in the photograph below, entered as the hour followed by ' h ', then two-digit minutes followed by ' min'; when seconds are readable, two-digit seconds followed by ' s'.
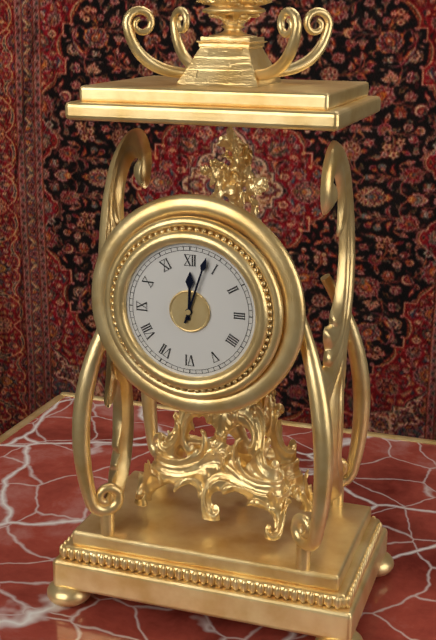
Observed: 12 h 03 min
